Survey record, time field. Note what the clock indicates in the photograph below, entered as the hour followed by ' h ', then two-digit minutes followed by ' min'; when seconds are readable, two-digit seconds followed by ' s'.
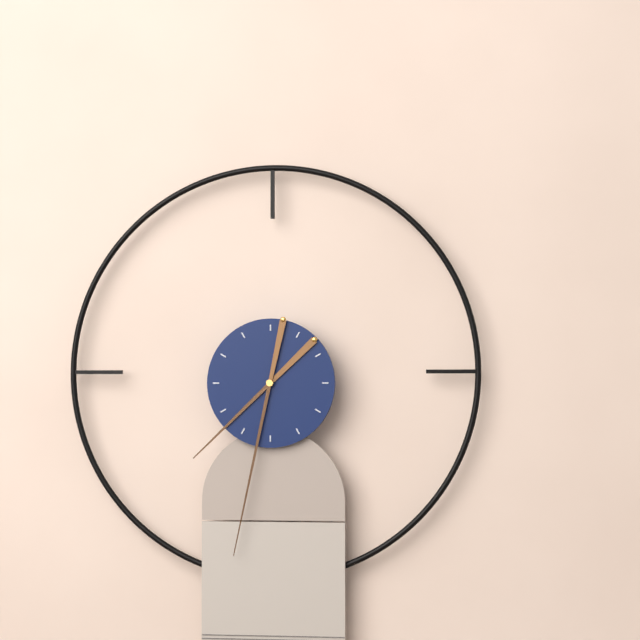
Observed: 7 h 32 min
